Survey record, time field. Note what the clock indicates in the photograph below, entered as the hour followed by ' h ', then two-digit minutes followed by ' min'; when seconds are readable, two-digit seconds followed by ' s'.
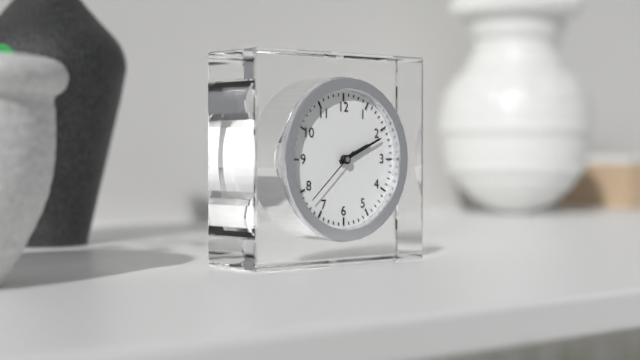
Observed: 2 h 11 min 38 s
